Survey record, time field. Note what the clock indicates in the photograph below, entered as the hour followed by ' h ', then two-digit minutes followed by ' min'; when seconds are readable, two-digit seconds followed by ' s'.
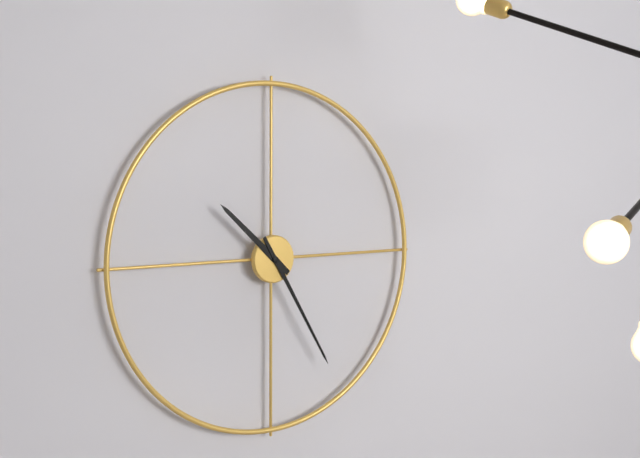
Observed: 10 h 25 min
